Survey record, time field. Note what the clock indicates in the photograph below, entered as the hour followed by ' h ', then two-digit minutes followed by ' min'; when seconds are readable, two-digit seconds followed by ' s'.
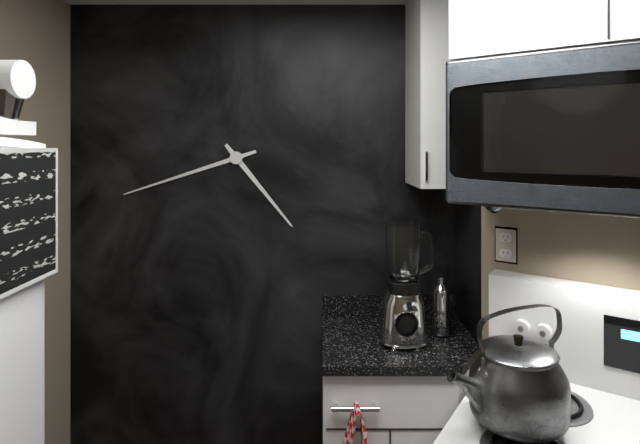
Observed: 4 h 42 min
